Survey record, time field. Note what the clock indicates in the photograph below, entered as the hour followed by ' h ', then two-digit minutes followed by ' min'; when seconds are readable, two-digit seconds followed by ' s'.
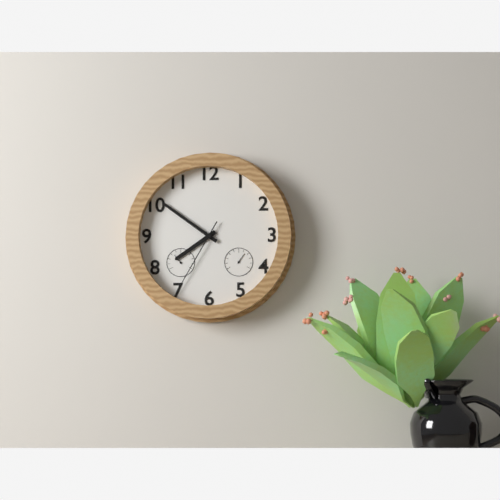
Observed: 7 h 51 min 35 s
